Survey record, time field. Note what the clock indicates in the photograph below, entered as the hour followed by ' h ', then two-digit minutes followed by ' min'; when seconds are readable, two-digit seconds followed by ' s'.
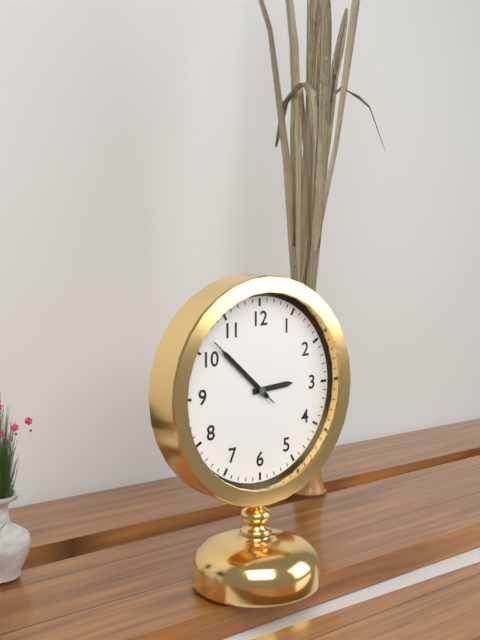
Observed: 2 h 52 min 52 s
